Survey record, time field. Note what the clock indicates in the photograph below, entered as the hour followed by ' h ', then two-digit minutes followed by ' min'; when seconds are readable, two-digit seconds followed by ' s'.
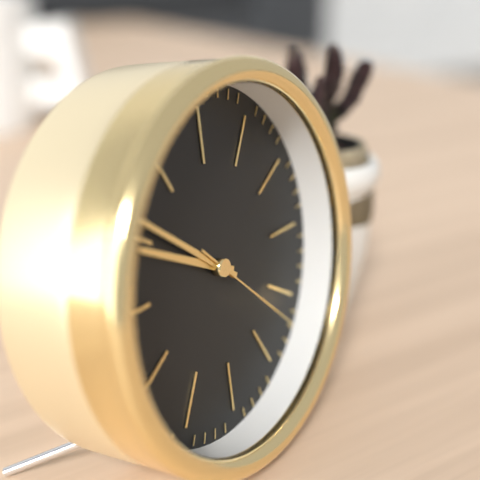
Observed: 9 h 51 min 22 s
